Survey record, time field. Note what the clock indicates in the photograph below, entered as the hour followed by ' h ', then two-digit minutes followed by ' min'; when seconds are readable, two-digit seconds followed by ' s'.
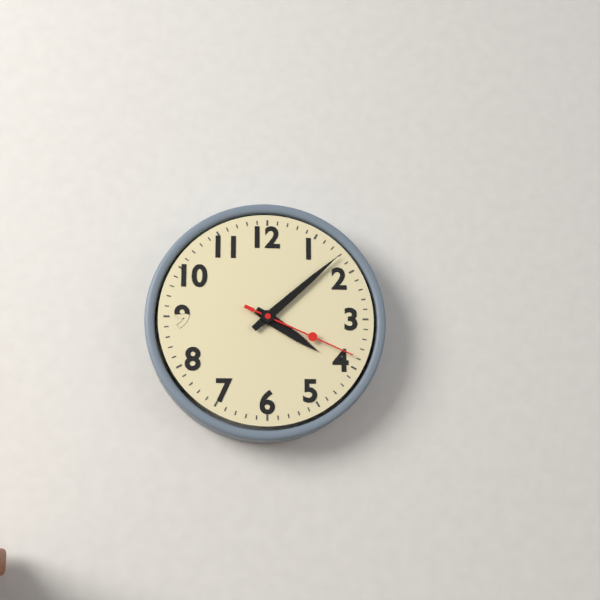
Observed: 4 h 08 min 19 s
